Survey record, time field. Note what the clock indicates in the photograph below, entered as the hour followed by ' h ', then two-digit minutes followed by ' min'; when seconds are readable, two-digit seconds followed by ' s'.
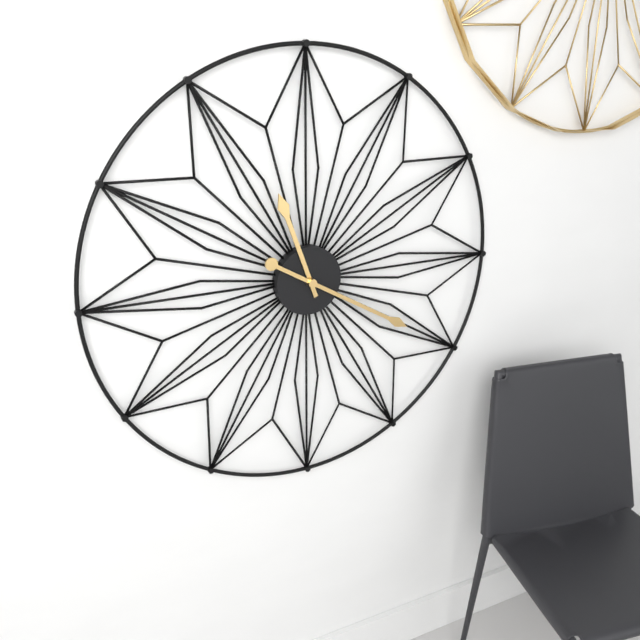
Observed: 11 h 20 min
